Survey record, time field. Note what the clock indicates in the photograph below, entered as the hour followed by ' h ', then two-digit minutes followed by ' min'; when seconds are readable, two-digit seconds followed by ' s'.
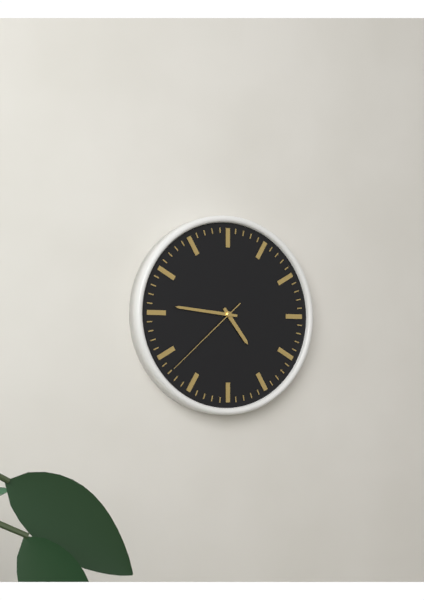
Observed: 4 h 46 min 38 s
